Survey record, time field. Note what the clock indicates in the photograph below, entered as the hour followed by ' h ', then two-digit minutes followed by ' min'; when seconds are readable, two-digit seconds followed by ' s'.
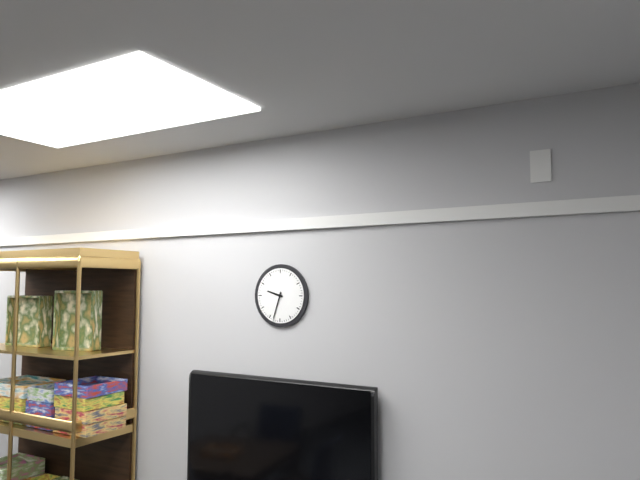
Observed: 9 h 33 min
